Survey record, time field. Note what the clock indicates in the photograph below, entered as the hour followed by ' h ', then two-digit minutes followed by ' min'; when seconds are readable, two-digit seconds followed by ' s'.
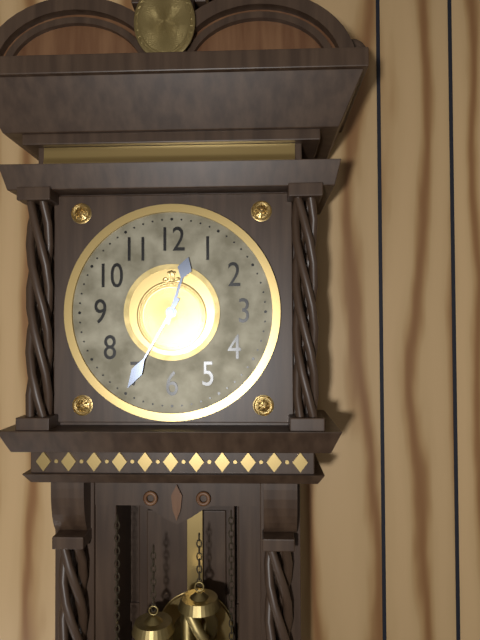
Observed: 12 h 35 min
